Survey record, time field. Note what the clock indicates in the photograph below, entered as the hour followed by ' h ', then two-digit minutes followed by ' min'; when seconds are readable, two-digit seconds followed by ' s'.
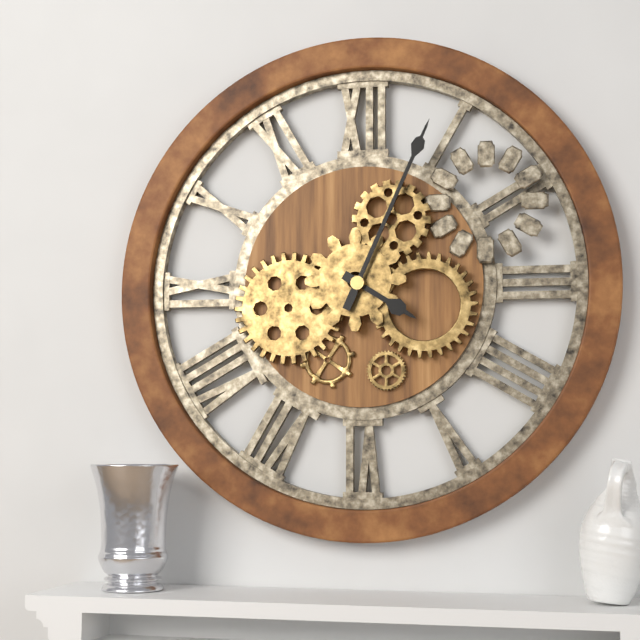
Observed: 4 h 04 min
